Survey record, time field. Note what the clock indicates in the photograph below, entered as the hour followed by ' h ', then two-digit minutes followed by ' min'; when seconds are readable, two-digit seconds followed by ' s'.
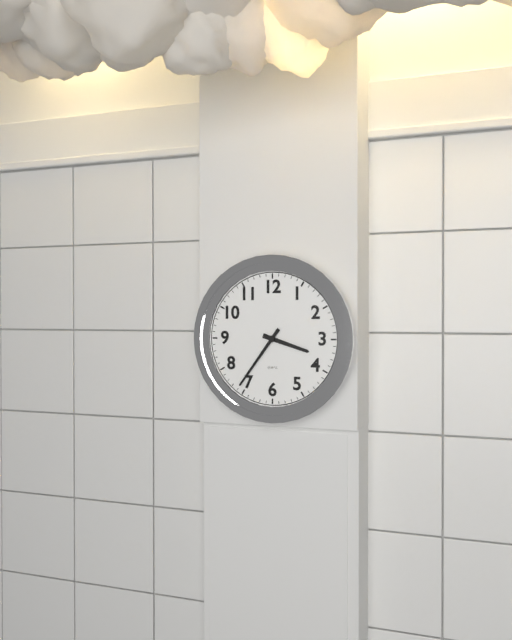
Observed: 3 h 36 min
